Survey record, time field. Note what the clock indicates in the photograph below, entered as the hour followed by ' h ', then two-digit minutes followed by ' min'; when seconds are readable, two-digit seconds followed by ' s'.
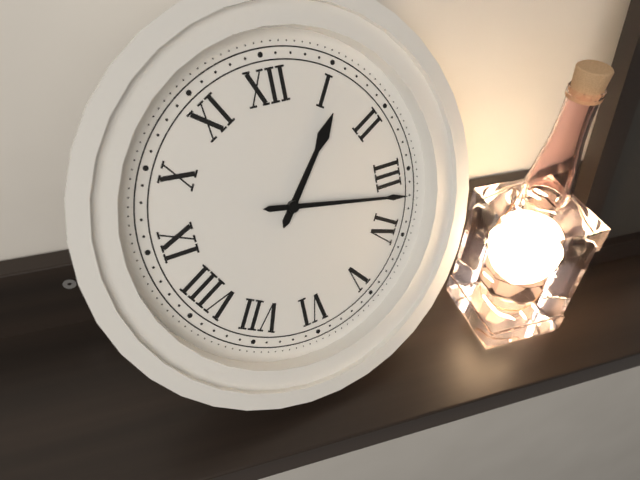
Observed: 1 h 17 min
